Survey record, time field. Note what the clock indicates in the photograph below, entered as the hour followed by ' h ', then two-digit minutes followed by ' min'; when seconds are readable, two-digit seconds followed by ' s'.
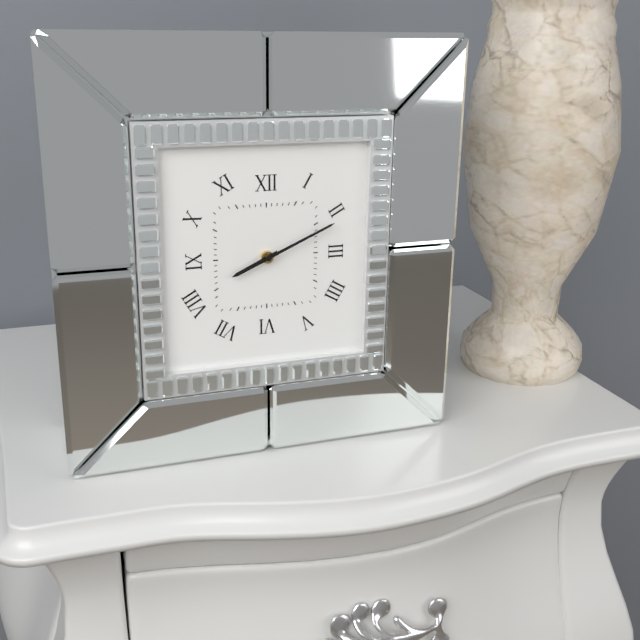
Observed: 8 h 11 min
